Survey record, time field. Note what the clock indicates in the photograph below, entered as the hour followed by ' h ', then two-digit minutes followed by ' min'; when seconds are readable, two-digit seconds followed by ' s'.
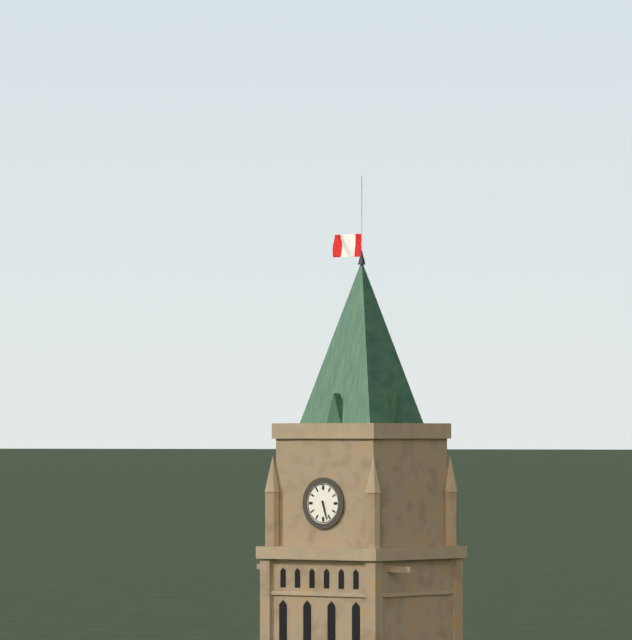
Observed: 5 h 27 min
